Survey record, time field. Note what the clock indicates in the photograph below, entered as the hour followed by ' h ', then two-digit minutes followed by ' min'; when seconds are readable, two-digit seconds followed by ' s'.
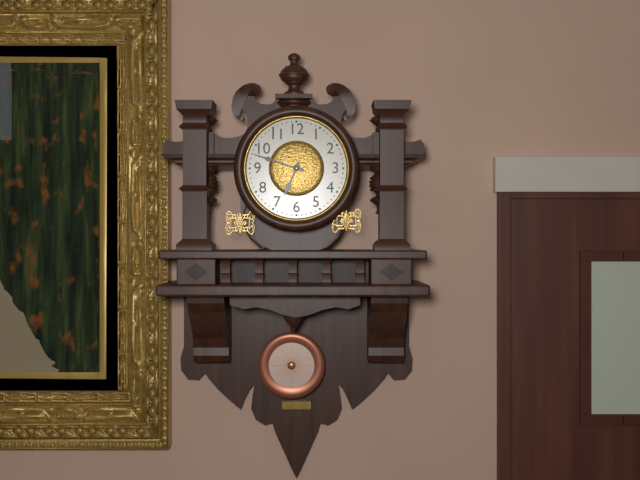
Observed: 6 h 48 min
